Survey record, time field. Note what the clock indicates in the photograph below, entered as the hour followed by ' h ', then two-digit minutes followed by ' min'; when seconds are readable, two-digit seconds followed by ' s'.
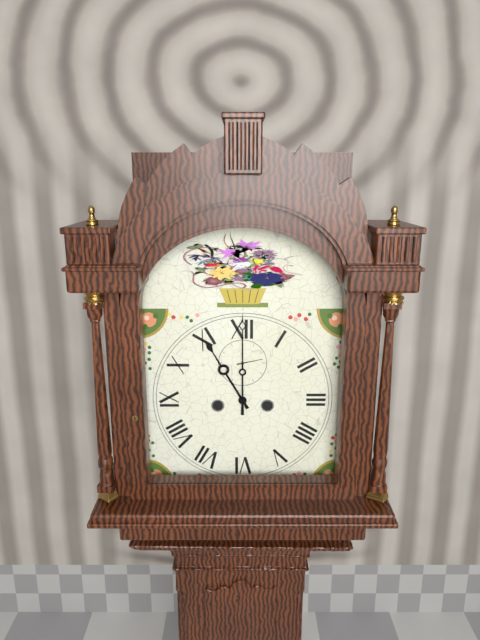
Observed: 11 h 00 min
